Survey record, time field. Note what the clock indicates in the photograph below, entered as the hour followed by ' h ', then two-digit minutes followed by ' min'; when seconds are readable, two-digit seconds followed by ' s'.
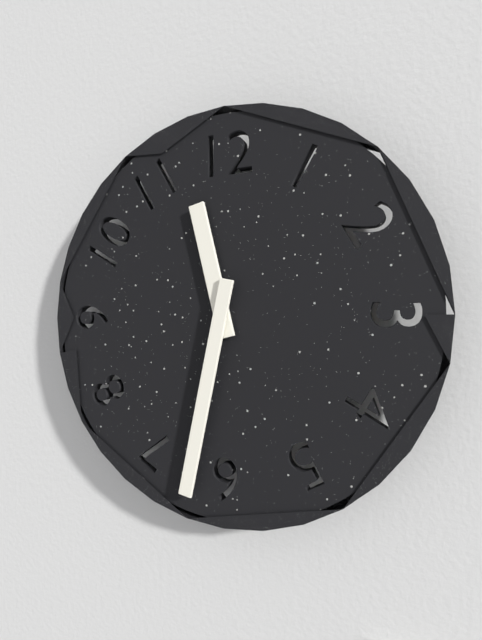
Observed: 11 h 32 min
